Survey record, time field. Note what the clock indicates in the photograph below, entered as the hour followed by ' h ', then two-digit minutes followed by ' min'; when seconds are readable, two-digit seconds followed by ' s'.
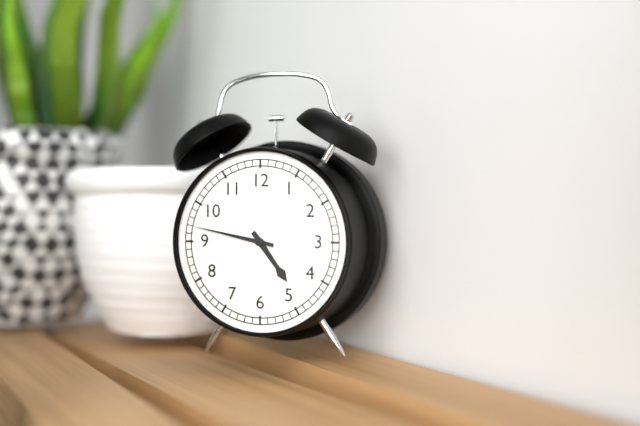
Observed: 4 h 47 min
